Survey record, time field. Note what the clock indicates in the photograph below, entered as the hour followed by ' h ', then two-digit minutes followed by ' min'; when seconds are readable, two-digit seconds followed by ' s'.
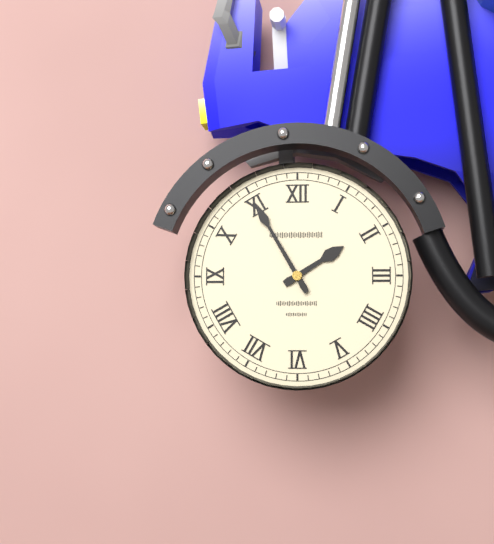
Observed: 1 h 55 min
